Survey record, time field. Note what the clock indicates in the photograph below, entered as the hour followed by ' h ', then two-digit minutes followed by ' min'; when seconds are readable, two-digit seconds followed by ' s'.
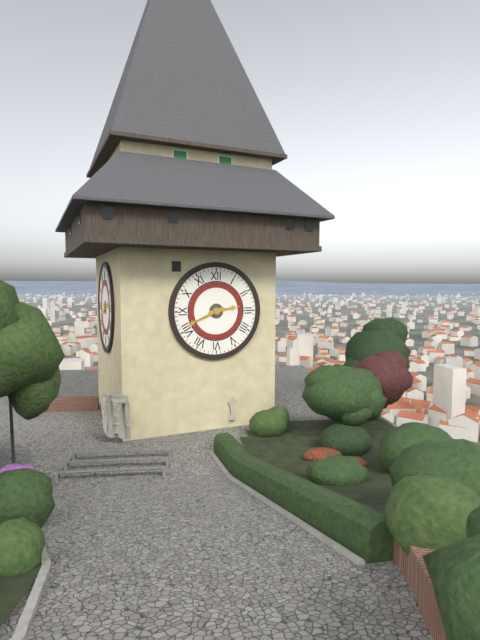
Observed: 2 h 41 min
